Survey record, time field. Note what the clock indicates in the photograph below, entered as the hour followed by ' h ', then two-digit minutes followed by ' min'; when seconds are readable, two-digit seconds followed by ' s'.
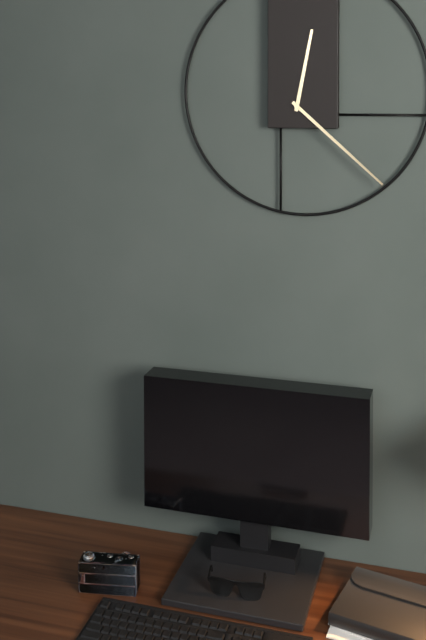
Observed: 12 h 22 min
